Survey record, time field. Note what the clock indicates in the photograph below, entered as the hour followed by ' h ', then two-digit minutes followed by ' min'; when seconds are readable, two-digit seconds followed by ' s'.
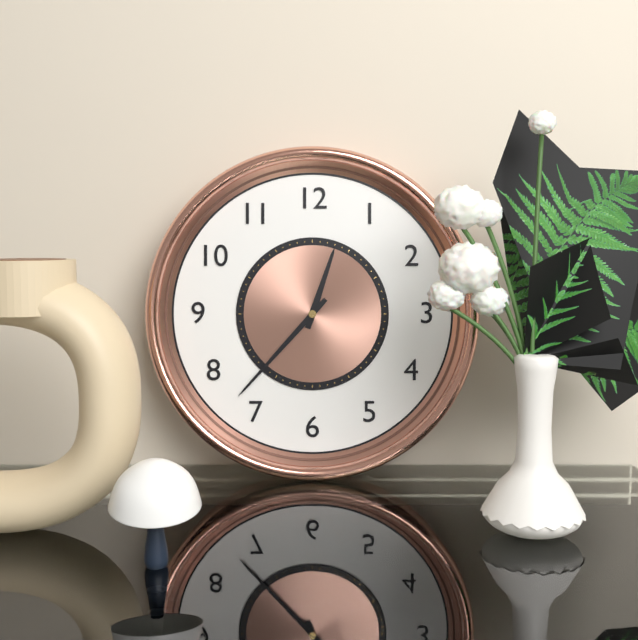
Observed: 12 h 37 min
